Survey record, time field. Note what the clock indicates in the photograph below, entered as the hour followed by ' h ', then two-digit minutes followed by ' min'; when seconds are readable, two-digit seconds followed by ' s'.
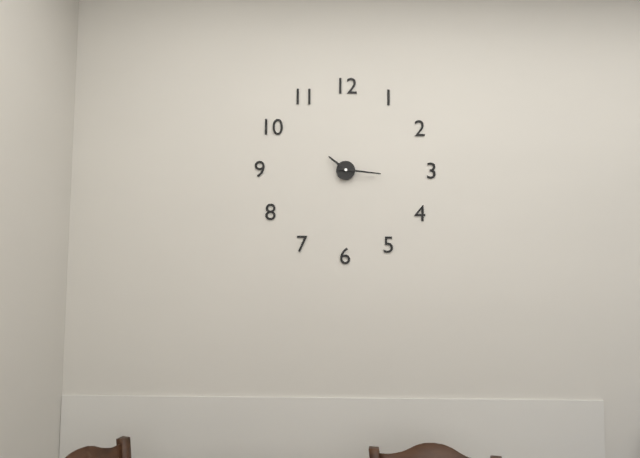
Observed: 10 h 16 min
